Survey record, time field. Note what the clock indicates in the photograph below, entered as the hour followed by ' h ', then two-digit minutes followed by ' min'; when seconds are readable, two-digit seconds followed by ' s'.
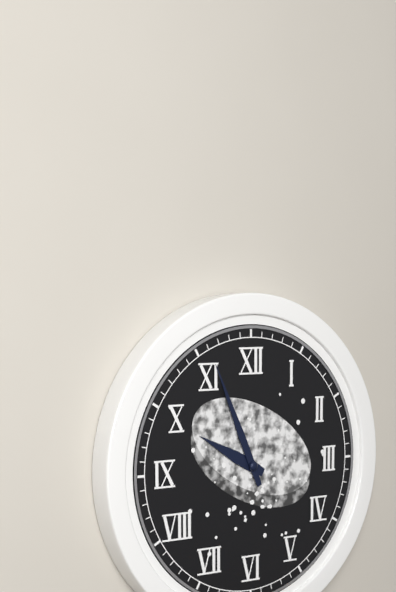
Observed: 9 h 56 min
